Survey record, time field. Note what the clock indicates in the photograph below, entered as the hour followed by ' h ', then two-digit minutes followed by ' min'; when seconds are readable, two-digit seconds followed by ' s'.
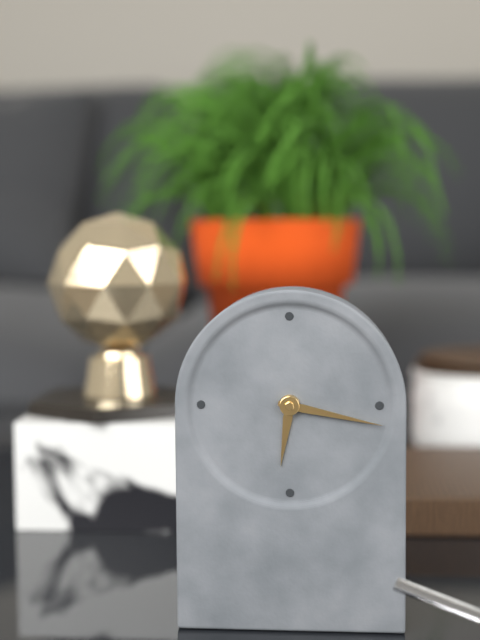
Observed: 6 h 17 min
